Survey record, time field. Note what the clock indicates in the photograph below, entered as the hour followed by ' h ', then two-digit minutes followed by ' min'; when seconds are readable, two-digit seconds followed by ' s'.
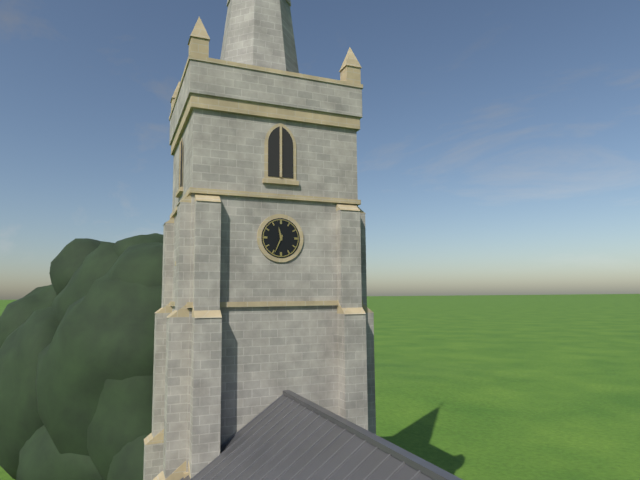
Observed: 11 h 34 min
